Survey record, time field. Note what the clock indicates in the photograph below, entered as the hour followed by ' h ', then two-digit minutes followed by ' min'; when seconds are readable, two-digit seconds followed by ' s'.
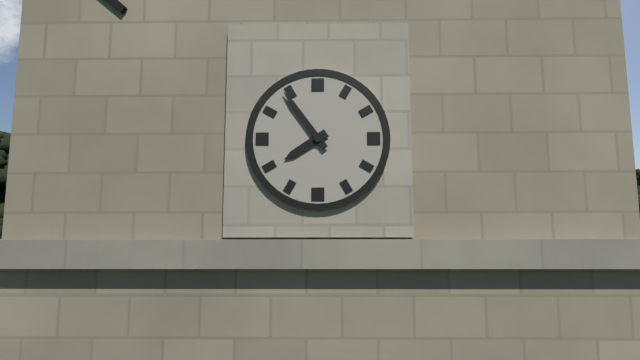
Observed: 7 h 54 min
